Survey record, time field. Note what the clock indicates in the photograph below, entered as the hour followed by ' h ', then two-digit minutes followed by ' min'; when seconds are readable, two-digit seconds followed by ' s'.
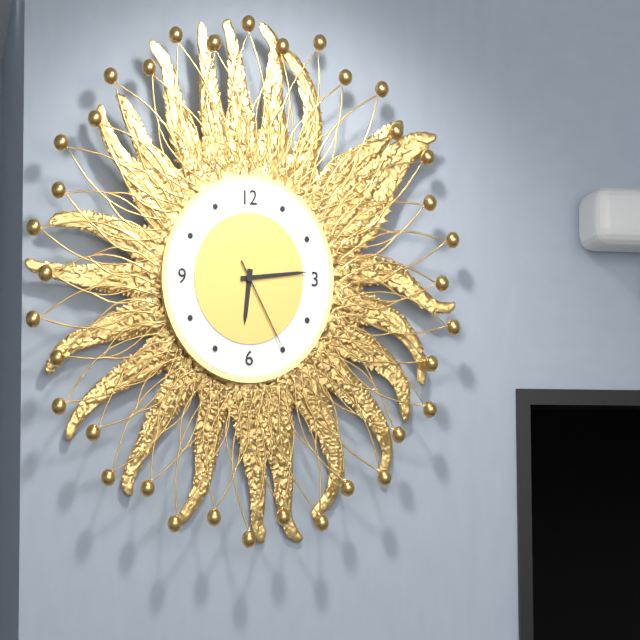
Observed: 6 h 14 min 25 s
